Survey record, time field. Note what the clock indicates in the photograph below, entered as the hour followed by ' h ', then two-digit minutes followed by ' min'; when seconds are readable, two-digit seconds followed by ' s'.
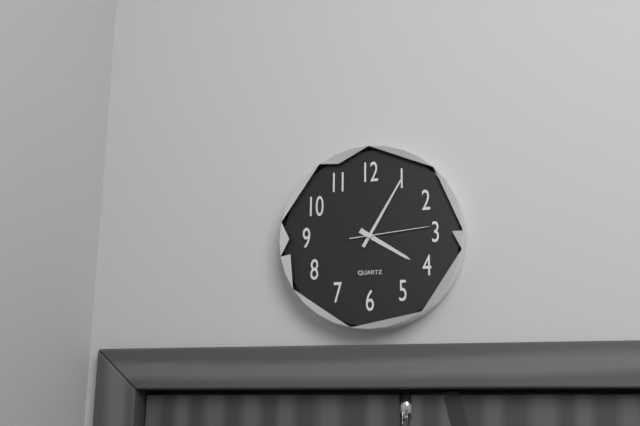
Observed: 4 h 05 min 14 s
